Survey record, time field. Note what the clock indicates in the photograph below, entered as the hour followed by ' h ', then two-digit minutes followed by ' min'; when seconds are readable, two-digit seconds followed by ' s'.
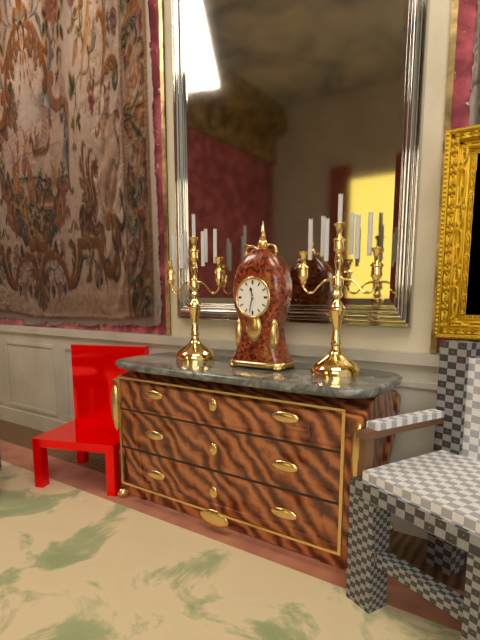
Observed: 11 h 32 min
